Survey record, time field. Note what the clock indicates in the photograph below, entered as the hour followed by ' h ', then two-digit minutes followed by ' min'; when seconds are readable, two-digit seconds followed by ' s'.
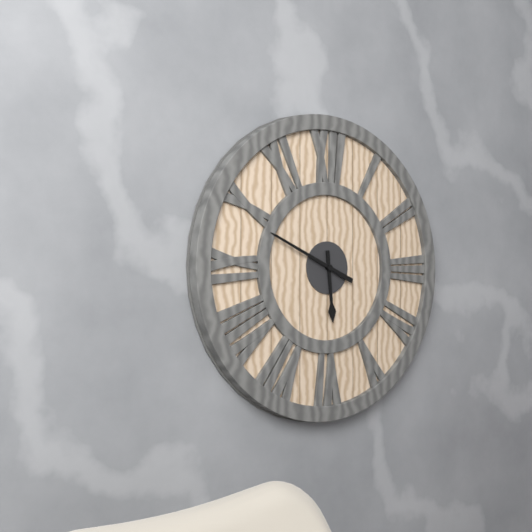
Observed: 5 h 49 min
